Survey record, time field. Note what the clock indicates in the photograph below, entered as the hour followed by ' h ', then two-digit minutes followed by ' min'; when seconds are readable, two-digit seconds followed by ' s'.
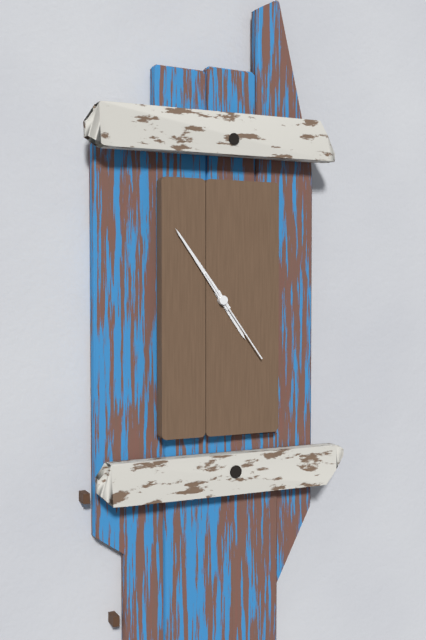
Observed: 4 h 54 min 24 s
